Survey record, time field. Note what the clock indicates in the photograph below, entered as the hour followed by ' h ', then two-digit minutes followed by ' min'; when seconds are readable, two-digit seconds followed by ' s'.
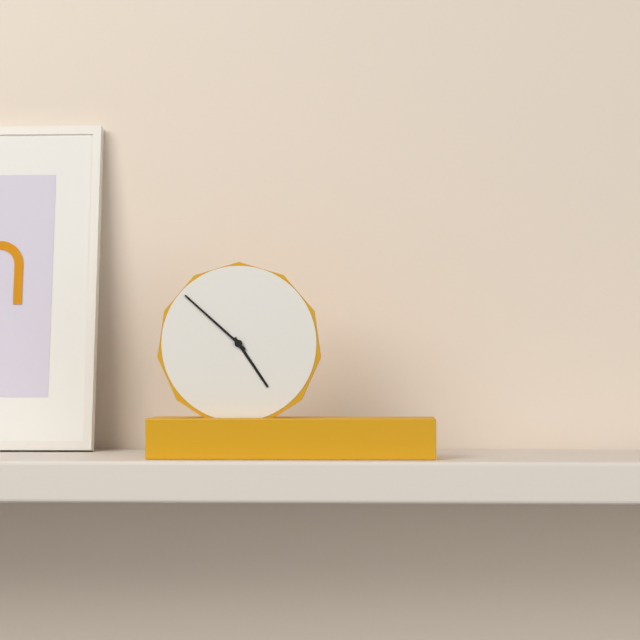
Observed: 4 h 52 min
